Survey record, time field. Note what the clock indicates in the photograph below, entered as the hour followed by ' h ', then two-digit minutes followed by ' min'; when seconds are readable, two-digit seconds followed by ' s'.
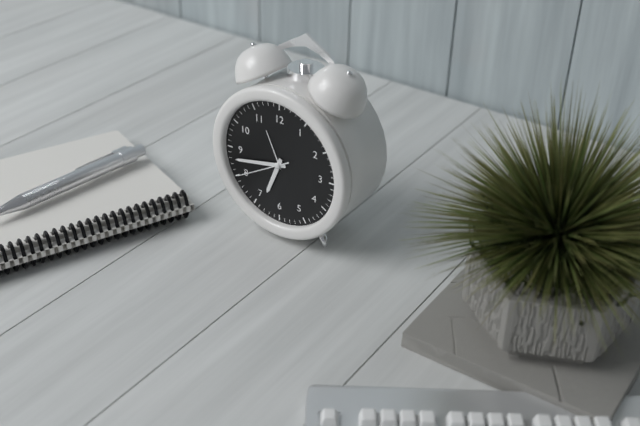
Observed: 6 h 43 min 40 s
